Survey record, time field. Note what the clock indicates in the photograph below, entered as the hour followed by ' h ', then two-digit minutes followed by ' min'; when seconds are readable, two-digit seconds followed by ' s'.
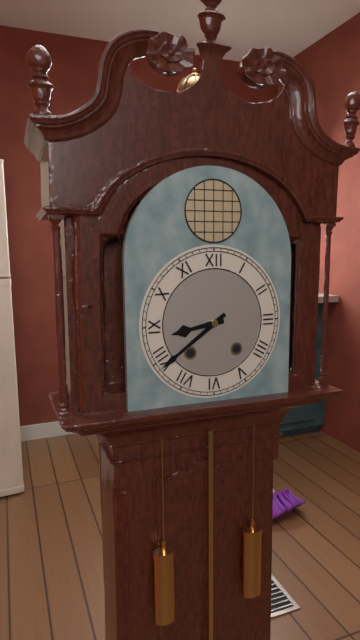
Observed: 8 h 39 min
